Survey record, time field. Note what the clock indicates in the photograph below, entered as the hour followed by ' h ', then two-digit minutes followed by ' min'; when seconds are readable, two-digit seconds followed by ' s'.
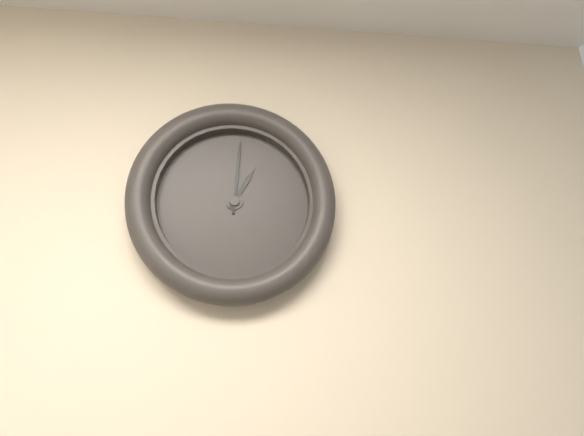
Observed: 1 h 01 min
